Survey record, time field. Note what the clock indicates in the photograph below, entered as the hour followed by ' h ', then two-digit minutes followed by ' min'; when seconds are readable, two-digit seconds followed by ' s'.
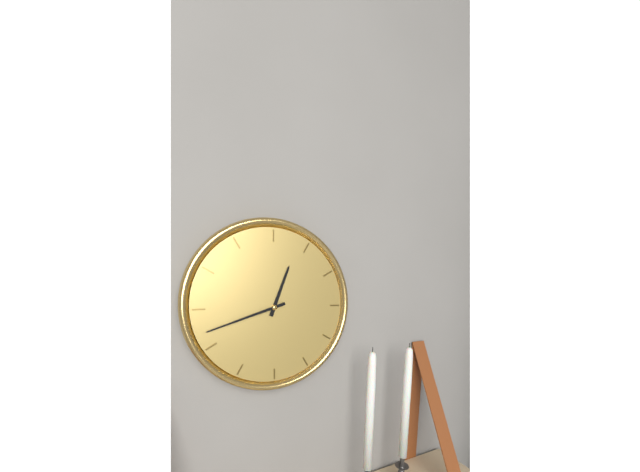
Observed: 12 h 42 min
